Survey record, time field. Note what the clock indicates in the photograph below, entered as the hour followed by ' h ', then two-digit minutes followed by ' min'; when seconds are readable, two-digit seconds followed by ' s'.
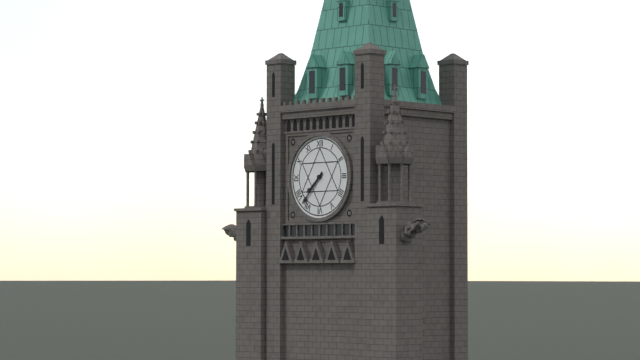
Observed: 7 h 37 min
